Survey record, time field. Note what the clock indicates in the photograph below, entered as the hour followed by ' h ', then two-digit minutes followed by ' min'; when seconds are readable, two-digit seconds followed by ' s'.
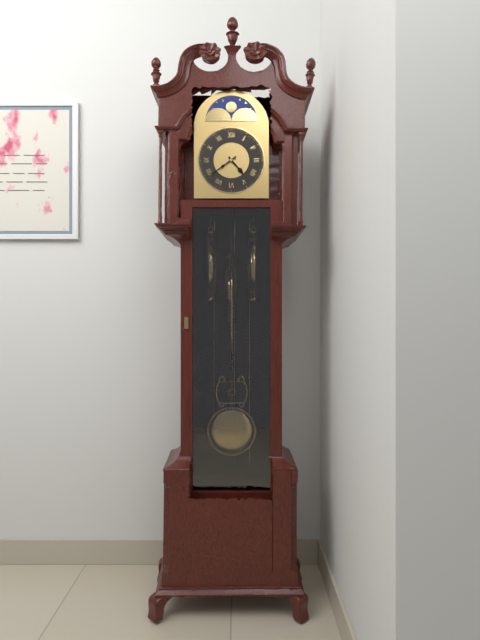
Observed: 4 h 39 min
